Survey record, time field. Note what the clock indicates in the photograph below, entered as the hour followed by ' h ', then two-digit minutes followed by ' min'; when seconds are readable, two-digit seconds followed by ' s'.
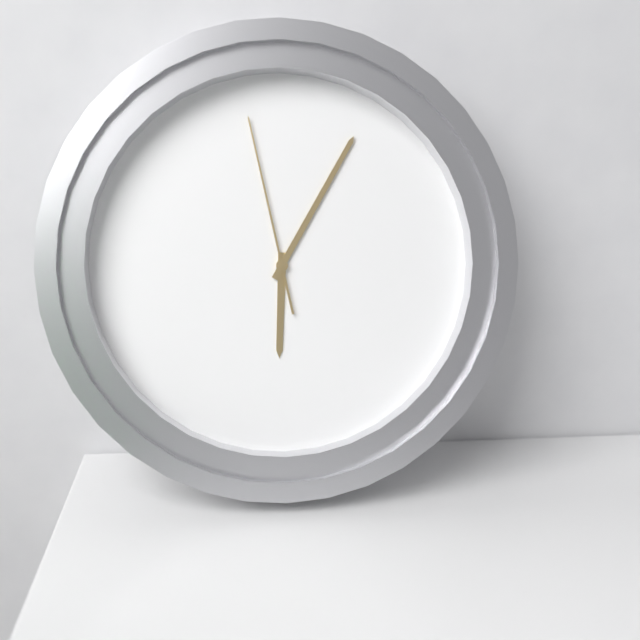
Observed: 6 h 05 min 58 s
